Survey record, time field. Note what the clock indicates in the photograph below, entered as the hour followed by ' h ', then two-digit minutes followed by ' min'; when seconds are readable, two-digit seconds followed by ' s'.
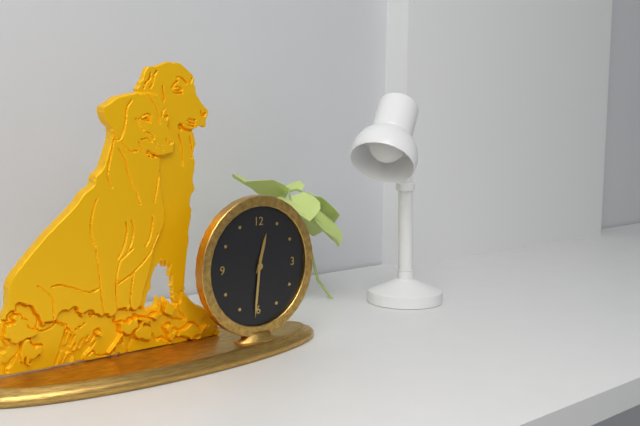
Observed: 12 h 31 min
